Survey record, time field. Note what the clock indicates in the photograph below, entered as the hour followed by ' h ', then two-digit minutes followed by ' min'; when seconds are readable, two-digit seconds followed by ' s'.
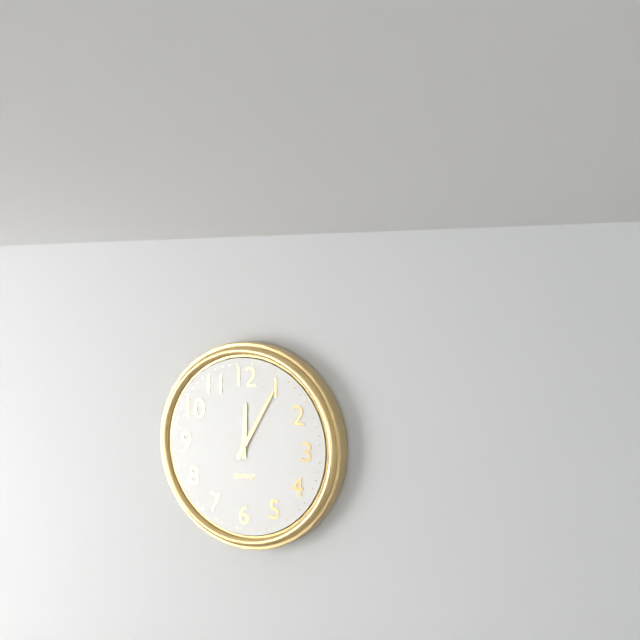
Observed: 12 h 05 min
